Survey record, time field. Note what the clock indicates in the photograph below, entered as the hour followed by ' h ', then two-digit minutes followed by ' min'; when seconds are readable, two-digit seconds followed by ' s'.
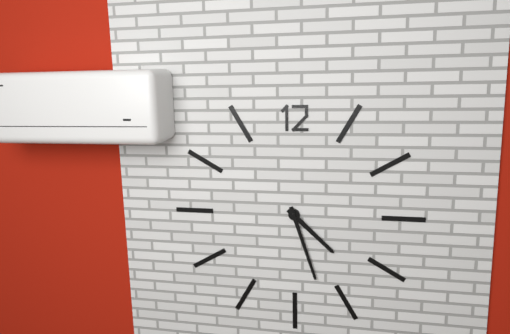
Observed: 4 h 27 min
